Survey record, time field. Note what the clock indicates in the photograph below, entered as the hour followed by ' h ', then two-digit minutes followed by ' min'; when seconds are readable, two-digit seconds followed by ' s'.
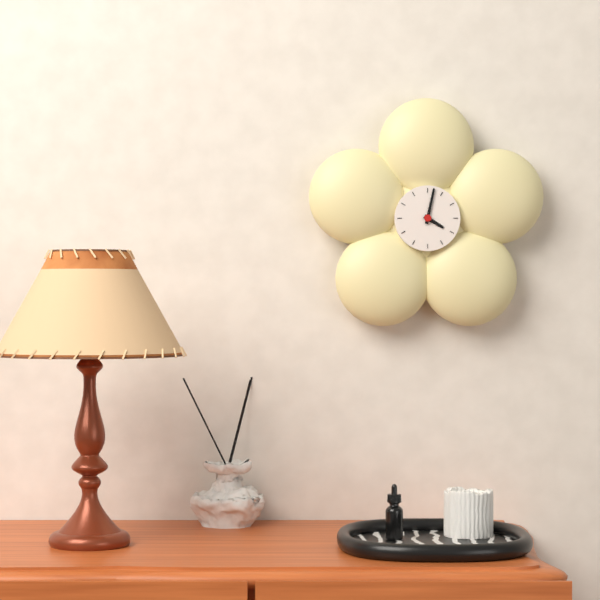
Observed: 4 h 02 min
